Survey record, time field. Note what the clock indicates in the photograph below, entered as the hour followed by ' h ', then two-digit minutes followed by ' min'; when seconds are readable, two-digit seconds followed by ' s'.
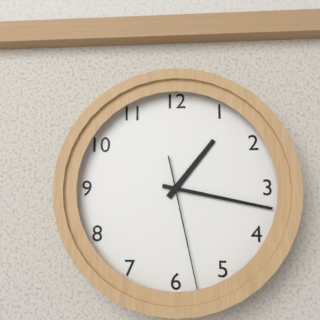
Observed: 1 h 17 min 28 s
